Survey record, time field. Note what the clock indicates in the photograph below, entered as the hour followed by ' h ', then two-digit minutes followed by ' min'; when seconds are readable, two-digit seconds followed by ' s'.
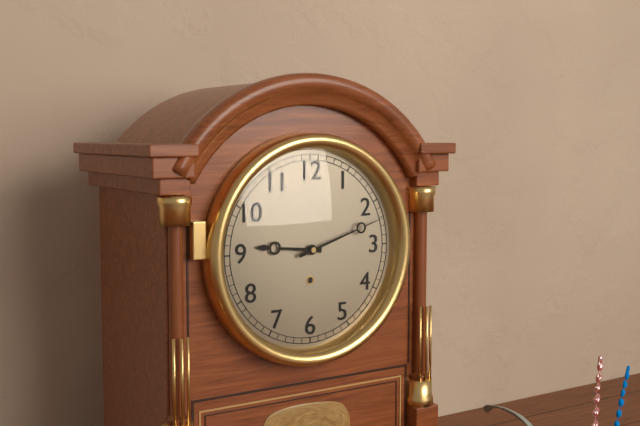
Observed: 9 h 12 min
